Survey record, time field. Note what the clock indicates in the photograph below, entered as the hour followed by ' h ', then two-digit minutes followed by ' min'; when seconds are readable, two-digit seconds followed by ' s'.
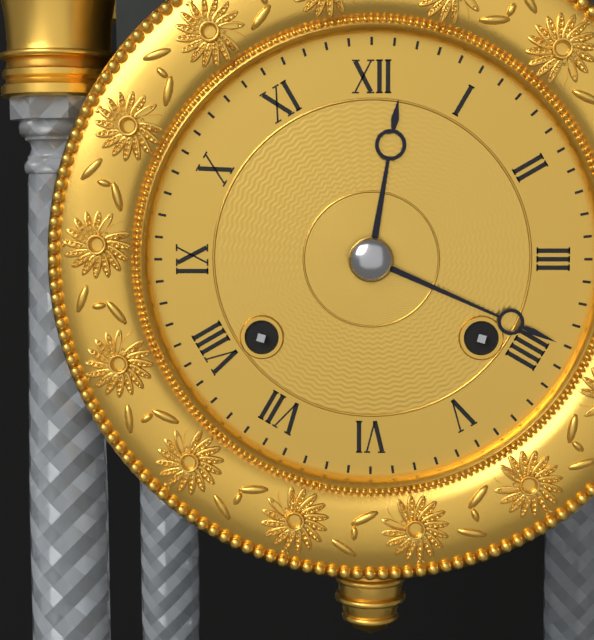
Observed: 12 h 19 min
